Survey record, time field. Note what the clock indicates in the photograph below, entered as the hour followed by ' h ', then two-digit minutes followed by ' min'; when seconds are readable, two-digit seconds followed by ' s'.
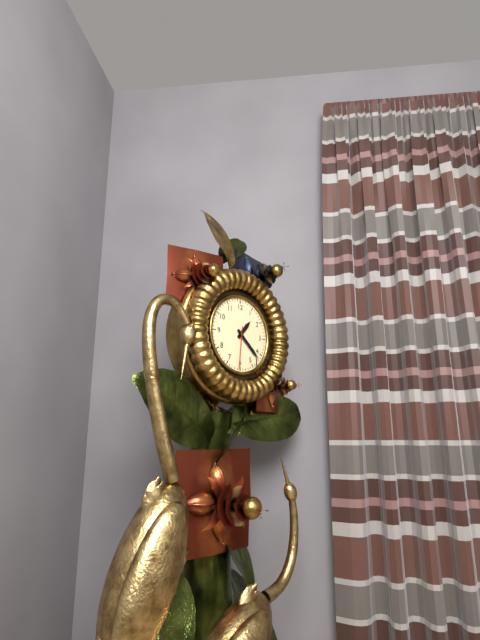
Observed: 1 h 22 min
